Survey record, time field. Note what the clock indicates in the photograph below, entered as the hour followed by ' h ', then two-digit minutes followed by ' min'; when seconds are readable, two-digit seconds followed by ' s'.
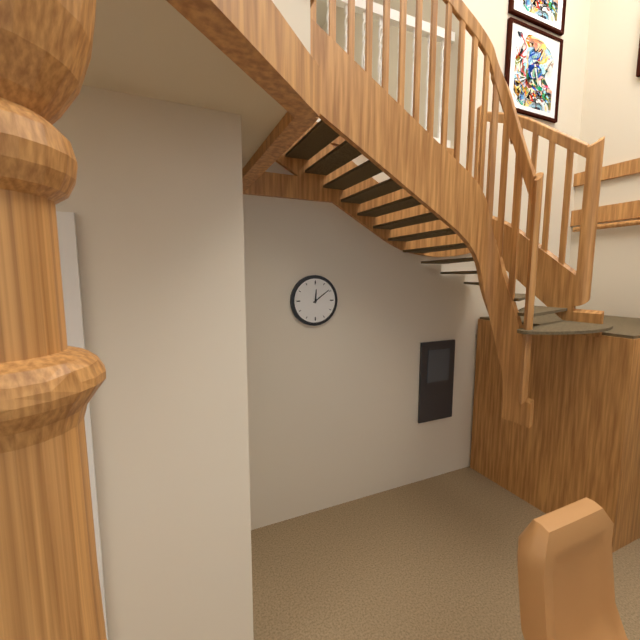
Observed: 12 h 09 min
